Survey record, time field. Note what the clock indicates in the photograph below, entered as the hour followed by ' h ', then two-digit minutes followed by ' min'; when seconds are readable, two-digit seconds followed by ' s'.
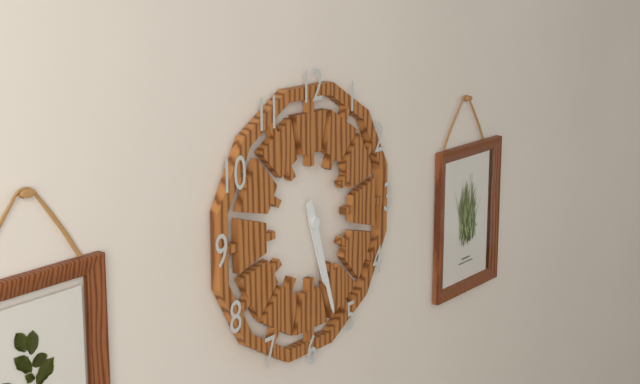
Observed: 5 h 27 min
